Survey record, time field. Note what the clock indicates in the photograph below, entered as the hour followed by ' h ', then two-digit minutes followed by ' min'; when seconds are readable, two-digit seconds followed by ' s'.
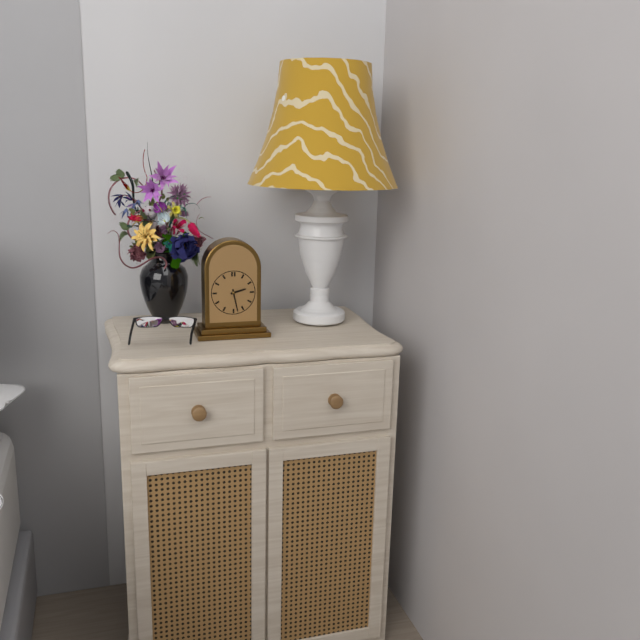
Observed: 2 h 28 min
